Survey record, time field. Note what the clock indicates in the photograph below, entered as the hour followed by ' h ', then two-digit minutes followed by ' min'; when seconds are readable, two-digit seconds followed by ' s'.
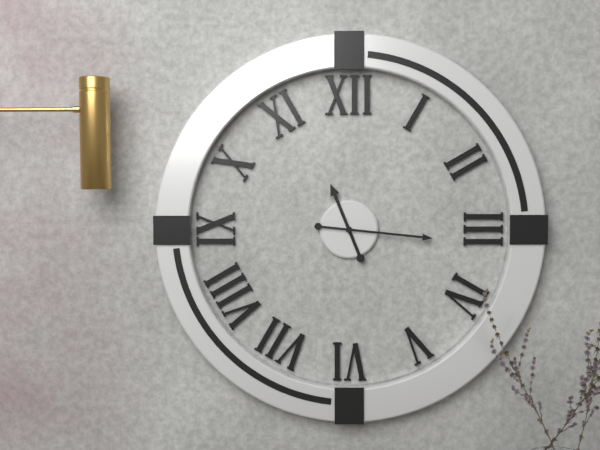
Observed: 11 h 16 min
